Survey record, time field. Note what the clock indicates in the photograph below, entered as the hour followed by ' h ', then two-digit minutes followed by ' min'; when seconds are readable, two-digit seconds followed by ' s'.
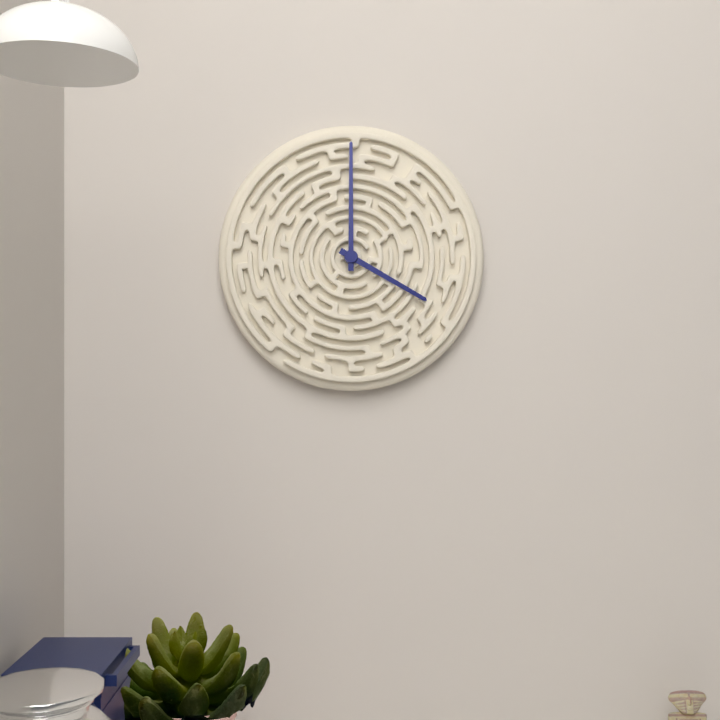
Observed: 4 h 00 min
